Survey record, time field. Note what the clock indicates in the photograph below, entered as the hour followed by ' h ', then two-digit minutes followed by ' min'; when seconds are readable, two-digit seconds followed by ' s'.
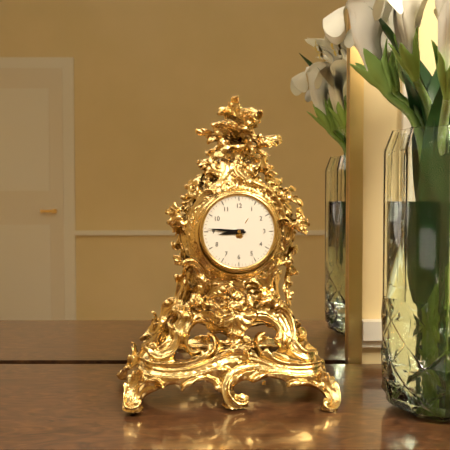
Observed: 8 h 46 min
